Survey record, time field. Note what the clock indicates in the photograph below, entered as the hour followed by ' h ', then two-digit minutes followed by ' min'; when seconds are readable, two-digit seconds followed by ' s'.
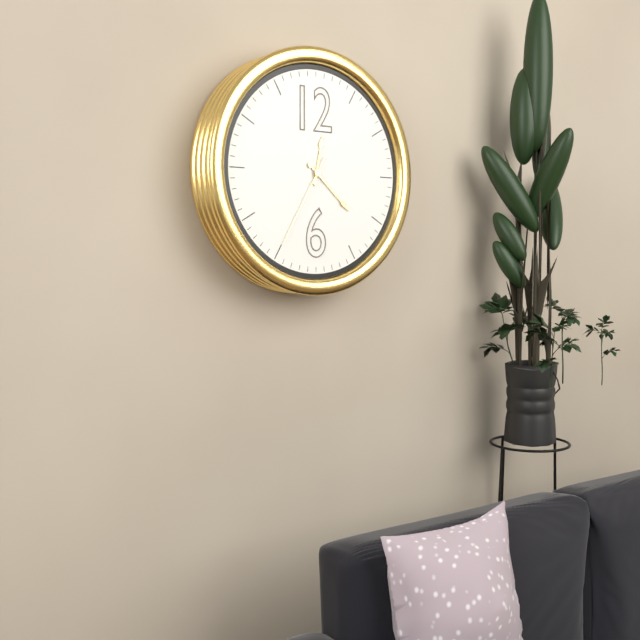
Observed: 12 h 22 min 35 s
